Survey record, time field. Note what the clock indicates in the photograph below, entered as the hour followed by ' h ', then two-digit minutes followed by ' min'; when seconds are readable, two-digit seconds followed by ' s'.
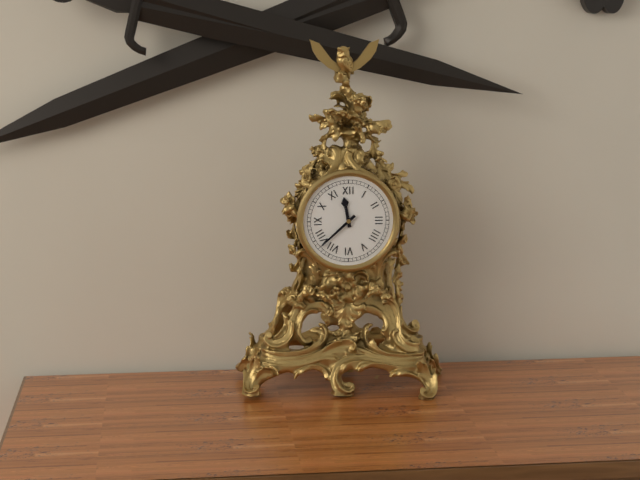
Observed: 11 h 38 min
